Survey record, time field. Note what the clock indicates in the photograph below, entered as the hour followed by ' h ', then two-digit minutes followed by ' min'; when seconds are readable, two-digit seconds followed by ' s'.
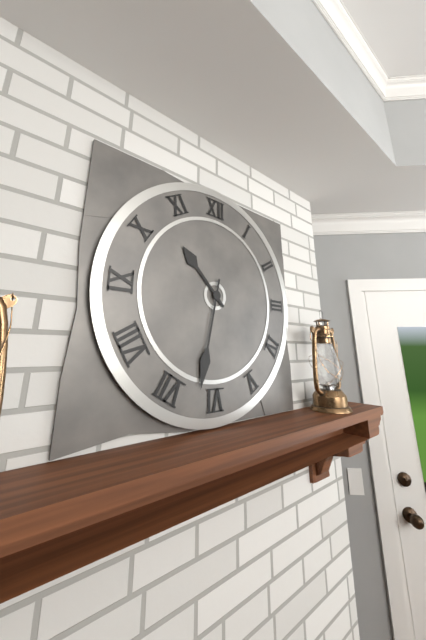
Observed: 10 h 32 min
